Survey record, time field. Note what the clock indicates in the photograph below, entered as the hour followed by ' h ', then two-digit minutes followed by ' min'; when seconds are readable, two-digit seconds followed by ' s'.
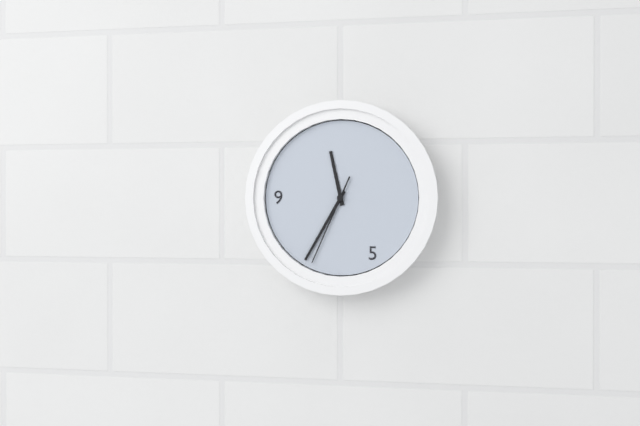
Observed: 11 h 35 min 34 s
